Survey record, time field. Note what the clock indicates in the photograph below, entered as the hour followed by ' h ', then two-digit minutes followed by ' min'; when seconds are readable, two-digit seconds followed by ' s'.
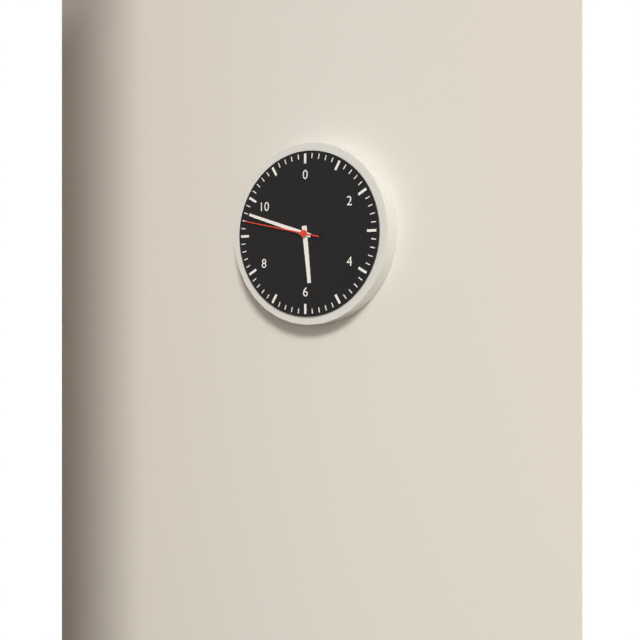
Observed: 5 h 48 min 47 s
